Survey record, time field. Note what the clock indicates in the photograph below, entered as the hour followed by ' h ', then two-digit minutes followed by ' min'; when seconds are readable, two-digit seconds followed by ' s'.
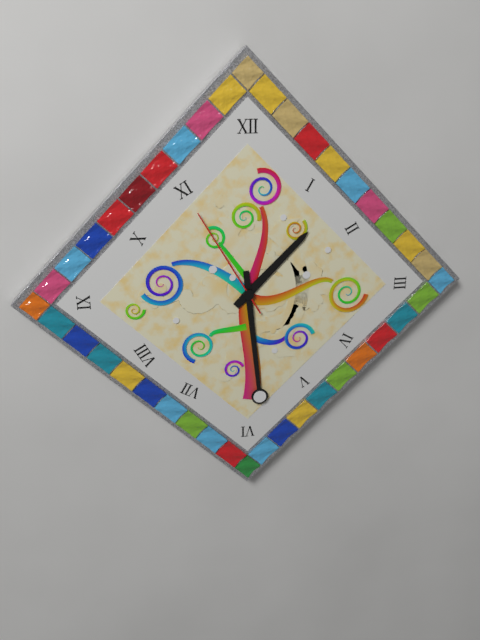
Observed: 1 h 29 min 55 s
